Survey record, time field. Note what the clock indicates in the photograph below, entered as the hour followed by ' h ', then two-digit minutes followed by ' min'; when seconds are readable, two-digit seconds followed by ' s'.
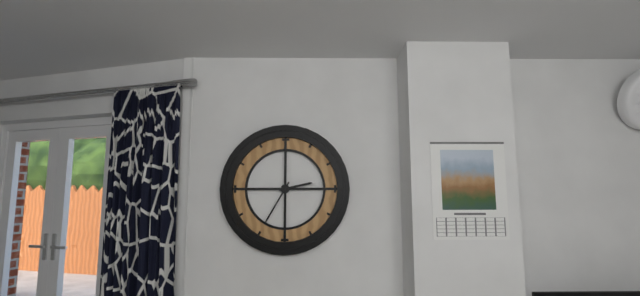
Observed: 2 h 35 min
